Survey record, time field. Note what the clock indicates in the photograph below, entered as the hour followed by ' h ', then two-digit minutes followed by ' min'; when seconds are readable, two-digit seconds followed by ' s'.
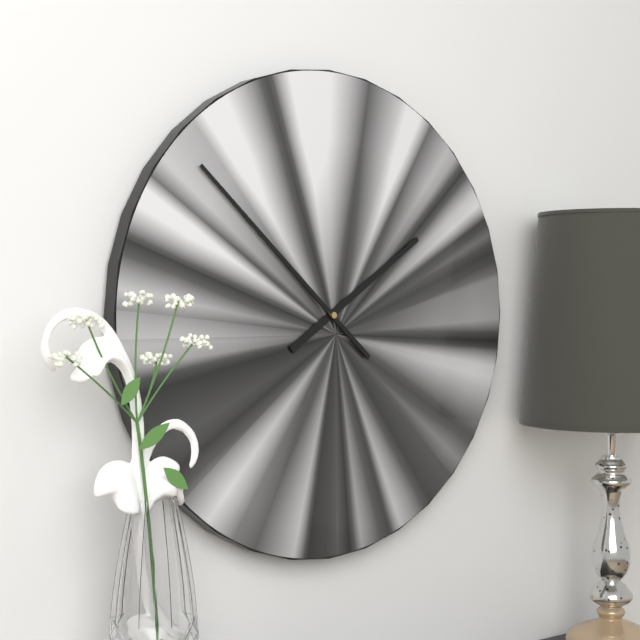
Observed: 1 h 52 min
